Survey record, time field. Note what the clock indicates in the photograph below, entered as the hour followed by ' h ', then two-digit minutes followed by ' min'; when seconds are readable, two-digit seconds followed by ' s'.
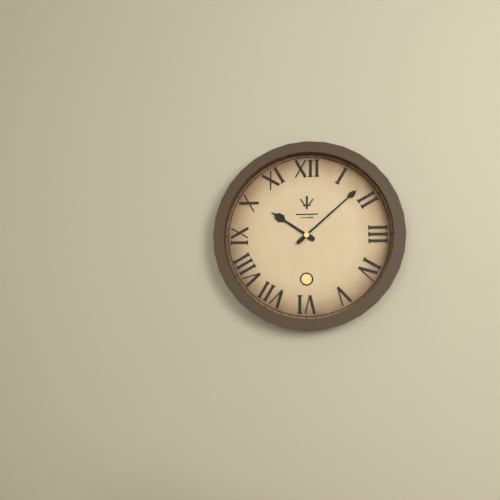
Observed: 10 h 08 min
